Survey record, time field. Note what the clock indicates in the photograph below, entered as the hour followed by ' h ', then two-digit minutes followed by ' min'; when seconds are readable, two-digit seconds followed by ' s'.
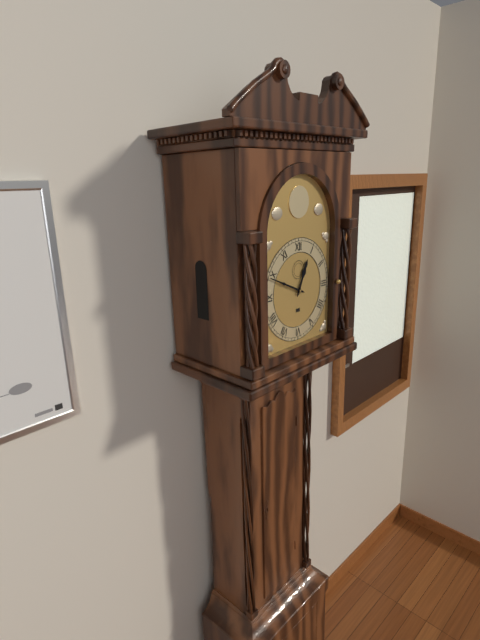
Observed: 12 h 49 min
